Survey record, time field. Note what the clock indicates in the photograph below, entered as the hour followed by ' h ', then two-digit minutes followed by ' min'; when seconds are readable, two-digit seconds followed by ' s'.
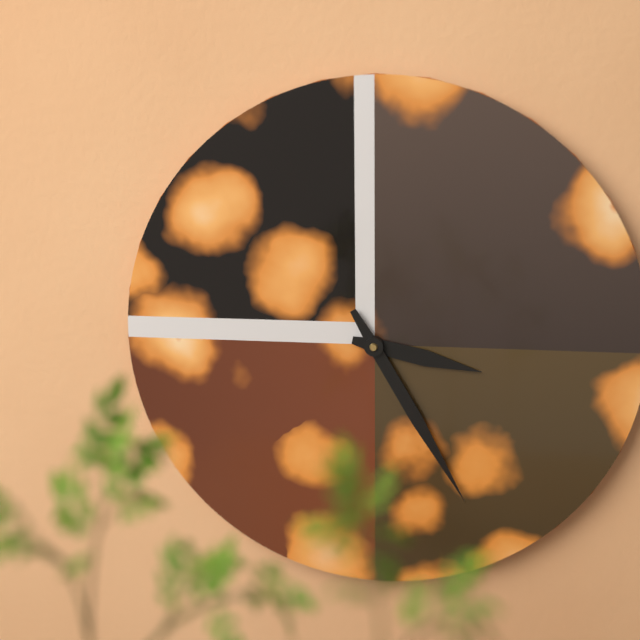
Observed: 3 h 25 min
